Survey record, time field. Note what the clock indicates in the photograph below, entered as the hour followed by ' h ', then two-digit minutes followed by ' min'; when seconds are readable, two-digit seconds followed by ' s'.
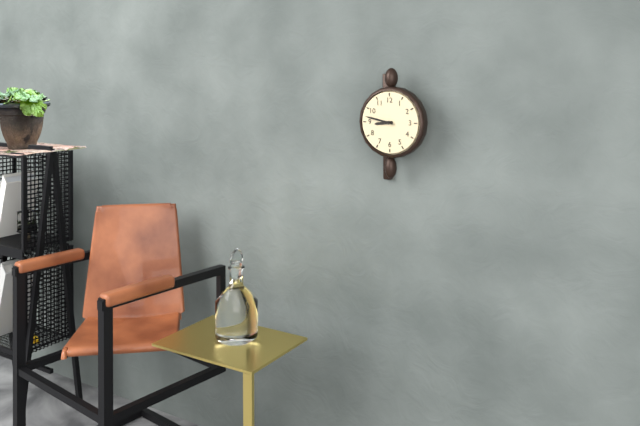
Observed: 8 h 47 min
